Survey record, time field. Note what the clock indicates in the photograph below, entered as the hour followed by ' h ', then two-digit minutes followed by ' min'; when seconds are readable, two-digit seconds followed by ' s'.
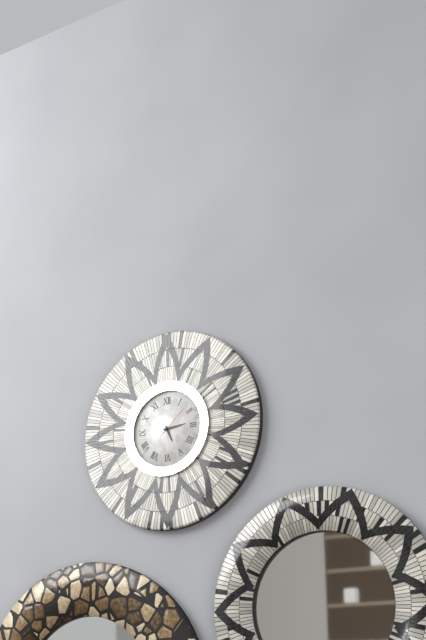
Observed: 5 h 14 min
